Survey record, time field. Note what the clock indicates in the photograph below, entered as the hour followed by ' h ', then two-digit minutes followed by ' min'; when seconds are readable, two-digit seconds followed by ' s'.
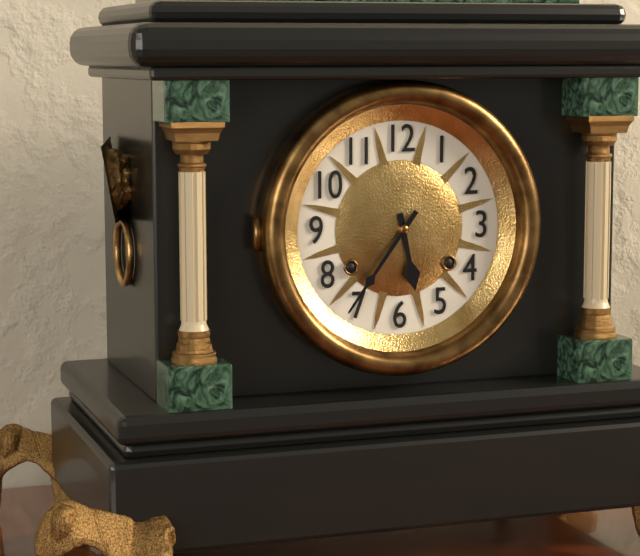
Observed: 5 h 36 min
